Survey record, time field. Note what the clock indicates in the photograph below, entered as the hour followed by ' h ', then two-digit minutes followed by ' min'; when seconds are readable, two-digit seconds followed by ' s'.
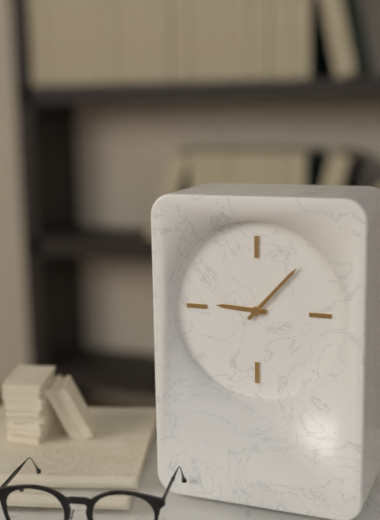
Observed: 9 h 07 min
